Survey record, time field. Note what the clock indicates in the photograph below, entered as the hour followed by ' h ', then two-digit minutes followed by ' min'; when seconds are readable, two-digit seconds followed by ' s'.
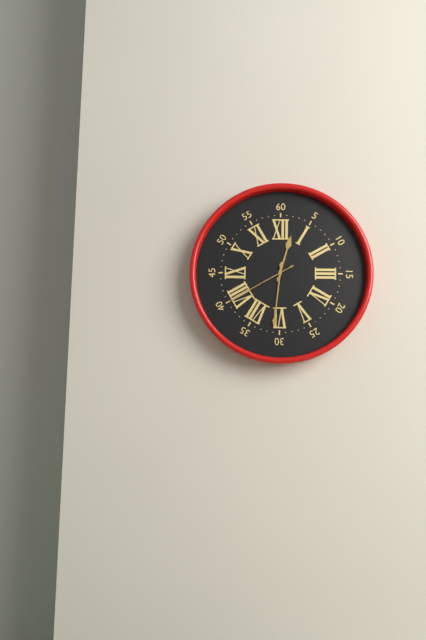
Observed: 12 h 31 min 40 s
